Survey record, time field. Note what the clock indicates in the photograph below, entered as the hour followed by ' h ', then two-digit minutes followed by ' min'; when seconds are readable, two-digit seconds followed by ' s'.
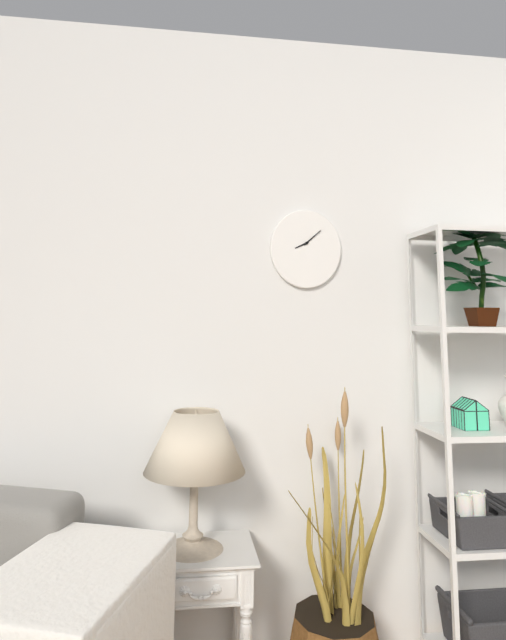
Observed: 8 h 08 min
